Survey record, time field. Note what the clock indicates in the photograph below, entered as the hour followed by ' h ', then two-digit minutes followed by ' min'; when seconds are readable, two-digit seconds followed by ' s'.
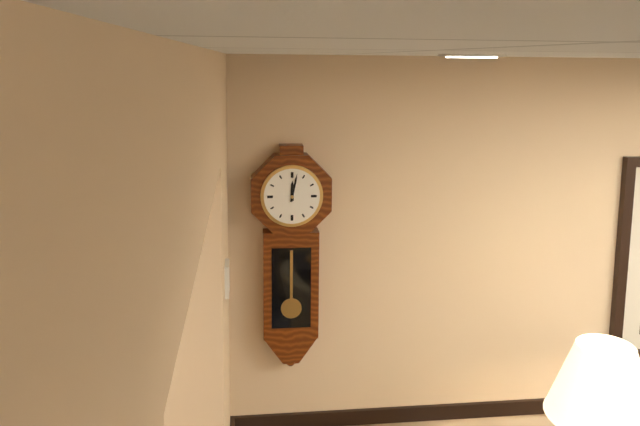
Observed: 12 h 02 min
